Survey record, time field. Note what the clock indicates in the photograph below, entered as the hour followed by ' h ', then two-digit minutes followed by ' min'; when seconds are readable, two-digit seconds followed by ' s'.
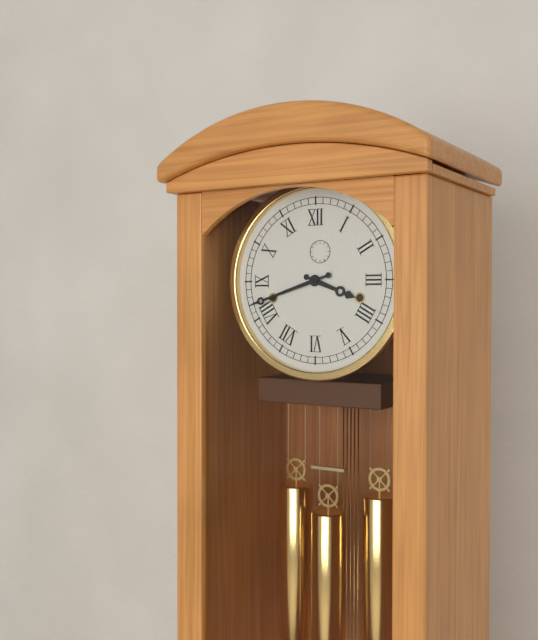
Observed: 3 h 42 min
